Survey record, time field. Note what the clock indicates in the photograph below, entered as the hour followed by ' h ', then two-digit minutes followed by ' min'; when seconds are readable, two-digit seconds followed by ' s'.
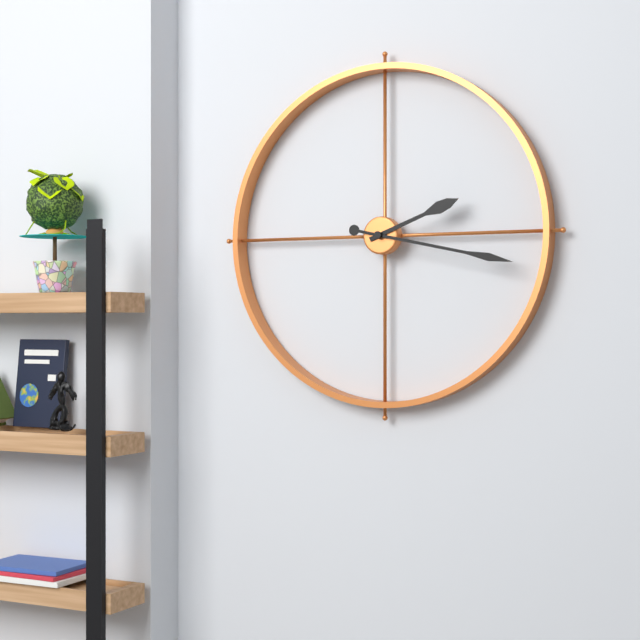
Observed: 2 h 17 min
